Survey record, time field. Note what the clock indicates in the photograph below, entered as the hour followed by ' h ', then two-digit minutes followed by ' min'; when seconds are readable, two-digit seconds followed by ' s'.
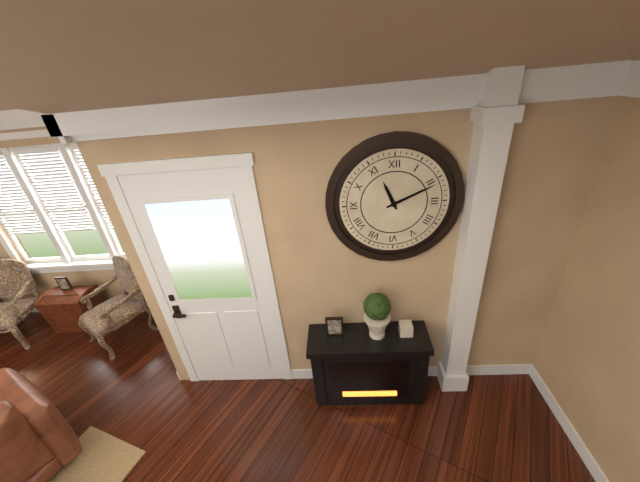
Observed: 11 h 11 min
